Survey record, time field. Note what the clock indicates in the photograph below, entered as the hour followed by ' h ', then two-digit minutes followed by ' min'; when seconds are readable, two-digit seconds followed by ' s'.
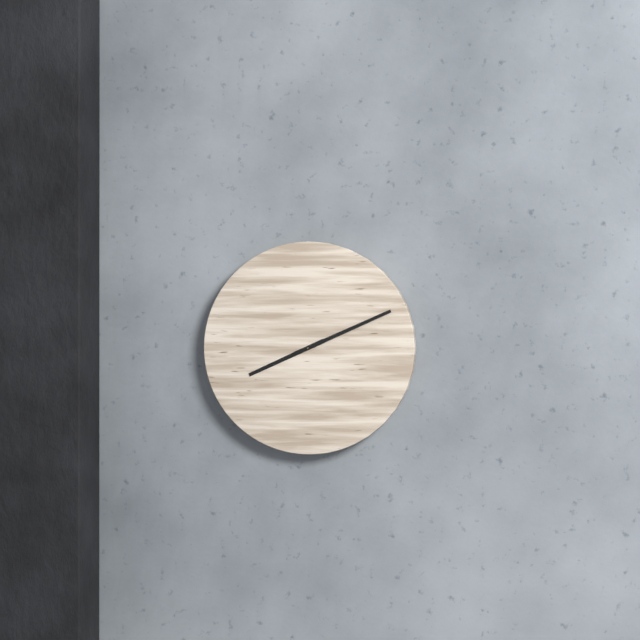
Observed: 8 h 11 min
